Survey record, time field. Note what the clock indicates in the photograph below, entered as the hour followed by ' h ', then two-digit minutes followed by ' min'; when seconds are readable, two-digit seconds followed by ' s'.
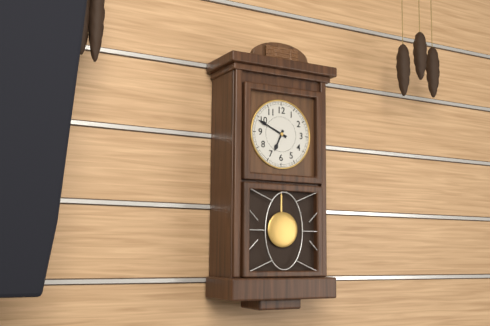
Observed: 6 h 49 min
